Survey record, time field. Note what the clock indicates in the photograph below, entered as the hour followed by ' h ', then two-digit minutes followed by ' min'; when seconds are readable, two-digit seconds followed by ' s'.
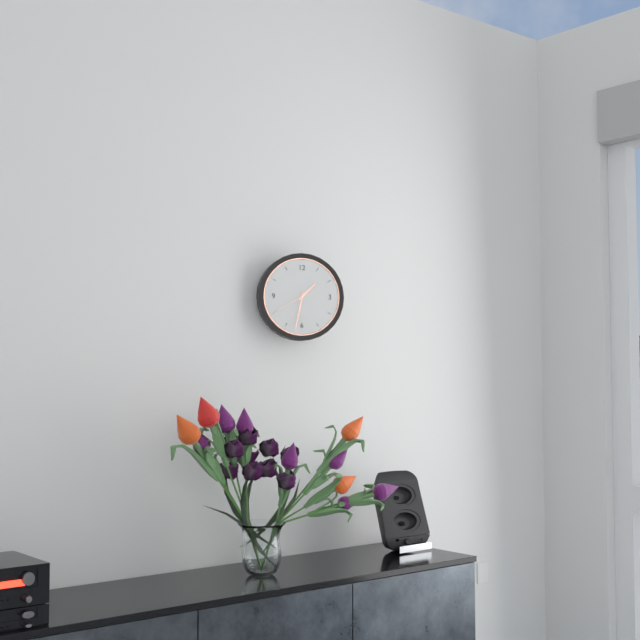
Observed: 1 h 32 min
